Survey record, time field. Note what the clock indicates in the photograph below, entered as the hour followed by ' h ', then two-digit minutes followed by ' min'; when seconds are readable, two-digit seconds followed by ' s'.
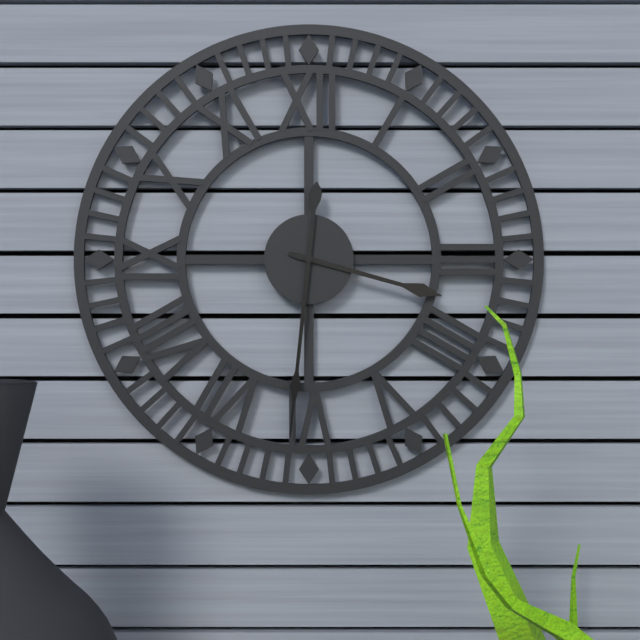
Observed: 3 h 31 min
